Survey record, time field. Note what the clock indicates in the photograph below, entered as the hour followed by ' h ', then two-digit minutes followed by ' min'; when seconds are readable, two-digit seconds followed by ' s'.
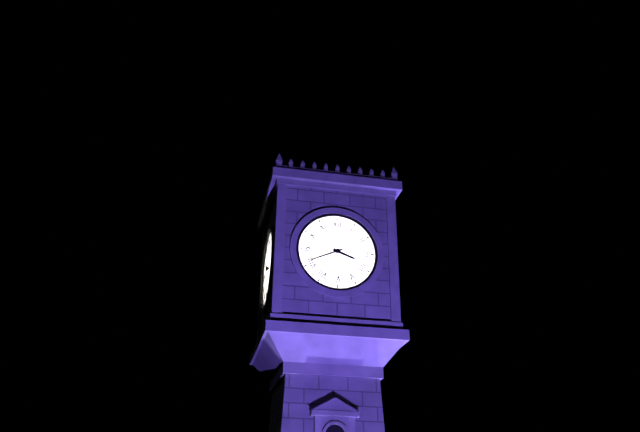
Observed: 3 h 41 min
